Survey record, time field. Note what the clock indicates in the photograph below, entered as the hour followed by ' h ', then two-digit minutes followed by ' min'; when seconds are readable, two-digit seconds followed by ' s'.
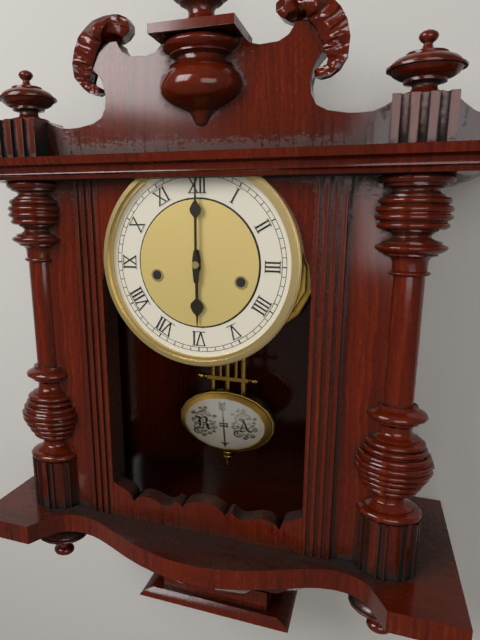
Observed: 6 h 00 min
